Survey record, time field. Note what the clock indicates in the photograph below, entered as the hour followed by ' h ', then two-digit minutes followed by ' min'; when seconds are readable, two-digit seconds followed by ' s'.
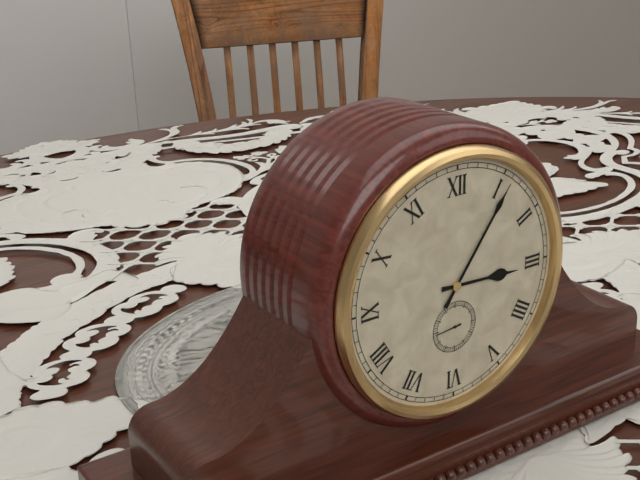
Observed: 3 h 06 min 44 s
